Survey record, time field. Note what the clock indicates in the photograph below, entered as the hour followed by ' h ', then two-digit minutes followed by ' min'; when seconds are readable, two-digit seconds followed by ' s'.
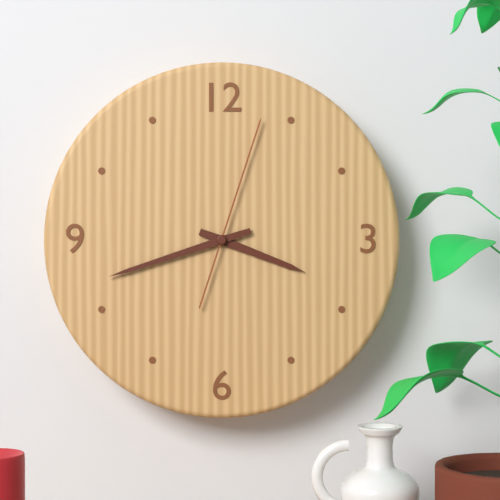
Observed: 3 h 42 min 03 s
